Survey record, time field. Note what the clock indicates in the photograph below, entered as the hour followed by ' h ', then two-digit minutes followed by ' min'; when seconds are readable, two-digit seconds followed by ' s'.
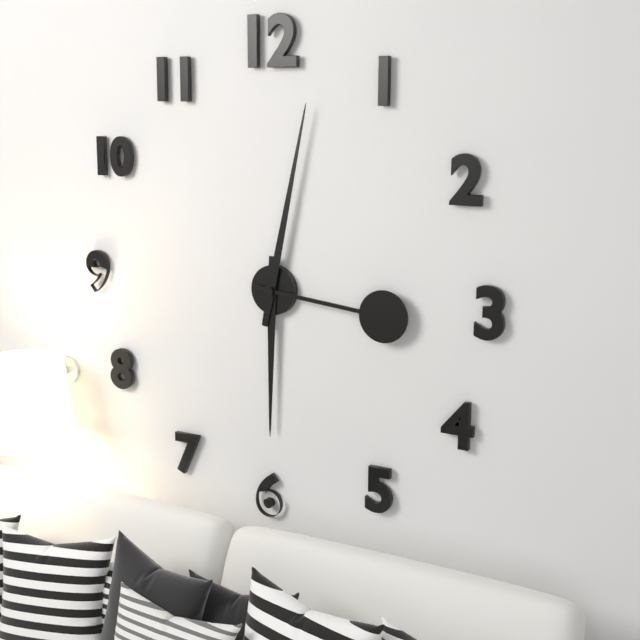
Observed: 6 h 02 min 16 s
